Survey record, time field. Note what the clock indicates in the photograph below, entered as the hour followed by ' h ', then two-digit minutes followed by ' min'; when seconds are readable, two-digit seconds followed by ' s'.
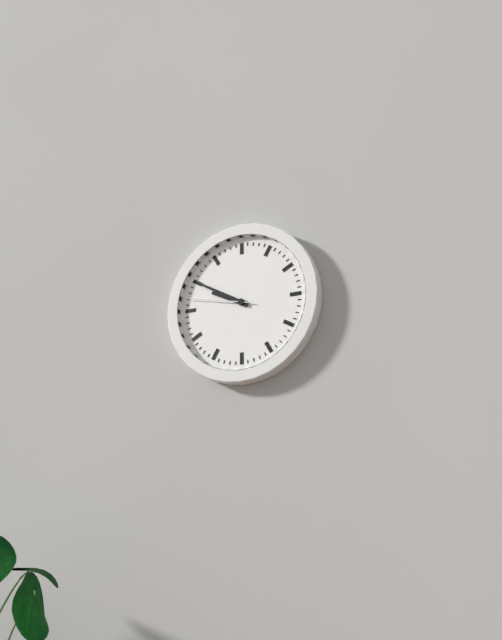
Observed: 9 h 50 min 47 s
